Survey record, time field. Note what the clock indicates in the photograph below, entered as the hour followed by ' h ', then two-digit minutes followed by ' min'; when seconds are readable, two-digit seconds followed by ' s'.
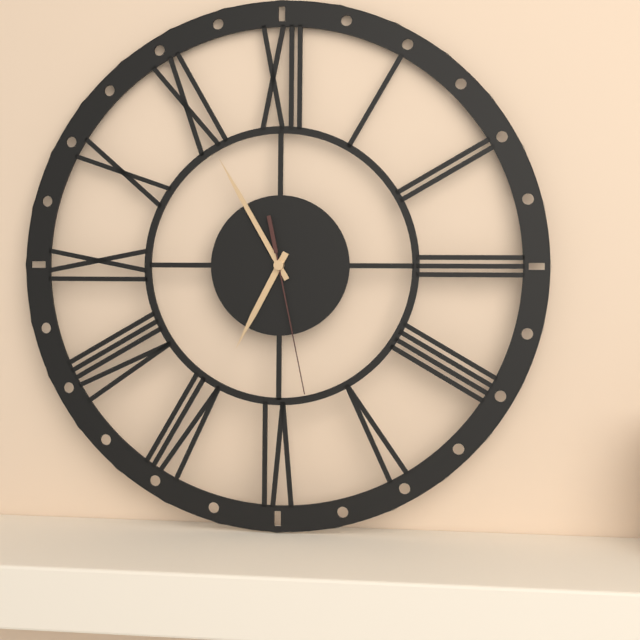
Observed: 6 h 55 min 28 s
